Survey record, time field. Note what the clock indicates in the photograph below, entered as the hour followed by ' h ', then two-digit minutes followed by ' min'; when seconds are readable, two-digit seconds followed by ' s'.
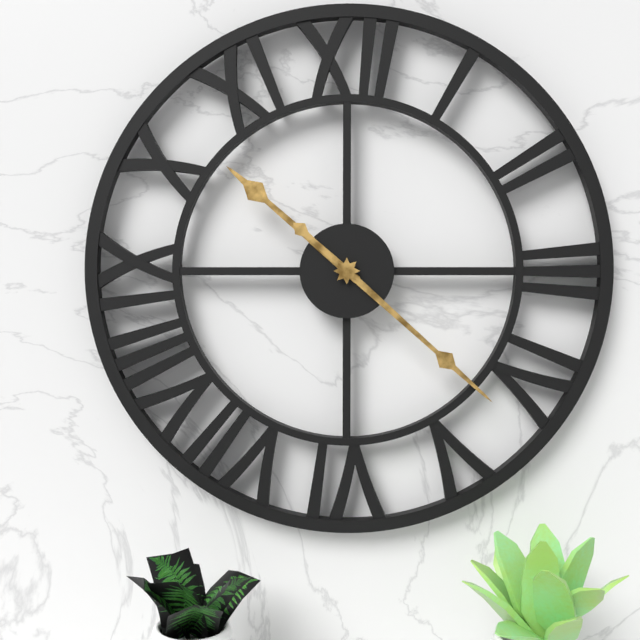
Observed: 10 h 22 min
